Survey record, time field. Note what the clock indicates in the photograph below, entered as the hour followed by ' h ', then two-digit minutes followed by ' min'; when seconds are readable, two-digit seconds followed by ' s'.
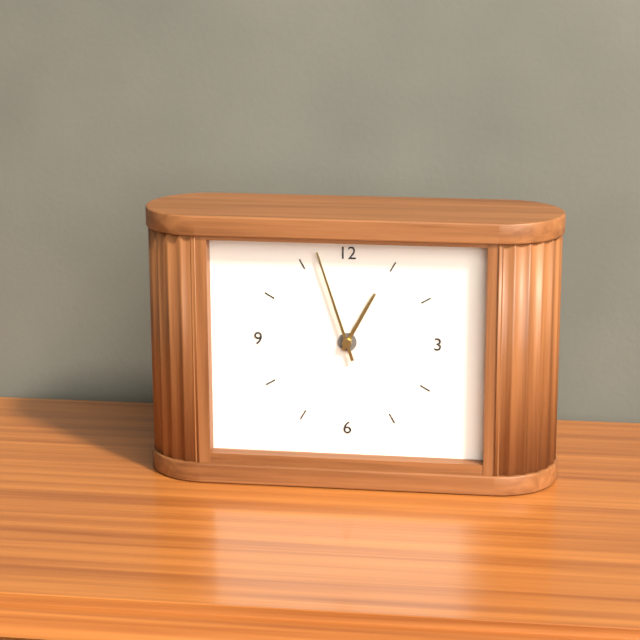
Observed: 12 h 57 min
